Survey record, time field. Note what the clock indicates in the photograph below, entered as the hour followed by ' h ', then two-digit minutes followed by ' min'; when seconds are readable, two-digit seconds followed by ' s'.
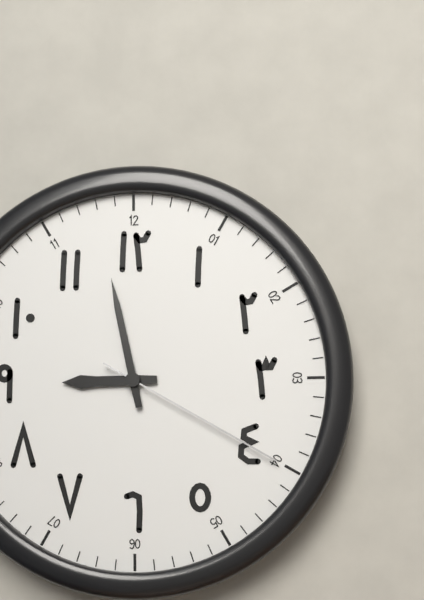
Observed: 8 h 58 min 20 s
